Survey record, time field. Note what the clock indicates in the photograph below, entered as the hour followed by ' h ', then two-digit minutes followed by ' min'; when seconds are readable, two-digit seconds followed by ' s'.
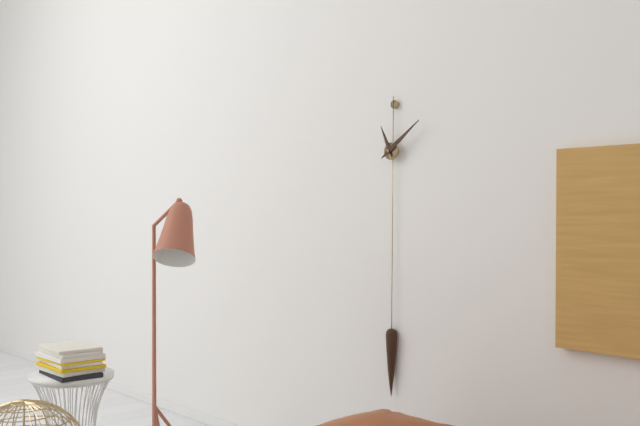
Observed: 11 h 09 min
